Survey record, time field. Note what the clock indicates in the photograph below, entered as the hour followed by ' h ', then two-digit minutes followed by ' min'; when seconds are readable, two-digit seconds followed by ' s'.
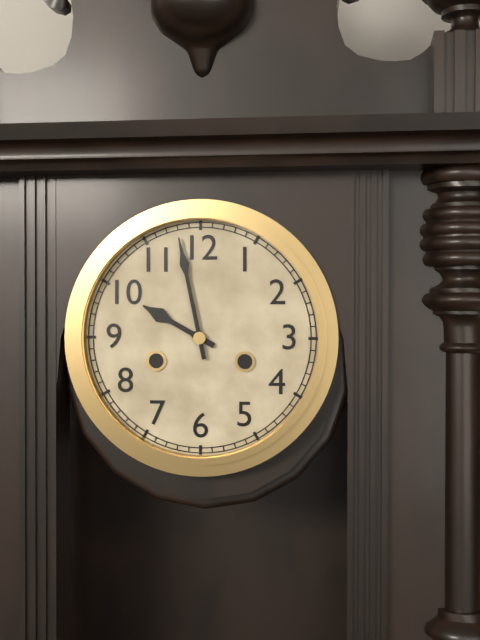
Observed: 9 h 58 min
